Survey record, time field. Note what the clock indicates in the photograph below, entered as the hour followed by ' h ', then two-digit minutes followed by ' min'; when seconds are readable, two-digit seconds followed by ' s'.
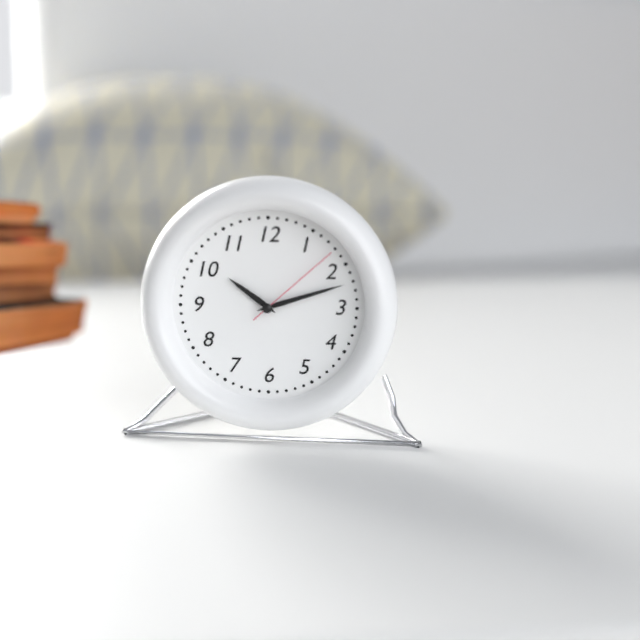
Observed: 10 h 12 min 08 s
